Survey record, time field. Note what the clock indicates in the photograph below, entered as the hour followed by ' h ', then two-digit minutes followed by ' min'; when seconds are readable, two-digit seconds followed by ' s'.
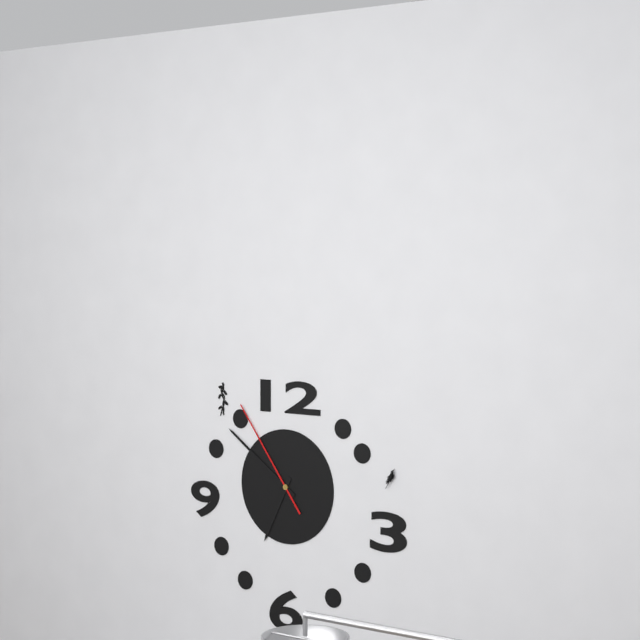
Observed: 6 h 51 min 54 s
